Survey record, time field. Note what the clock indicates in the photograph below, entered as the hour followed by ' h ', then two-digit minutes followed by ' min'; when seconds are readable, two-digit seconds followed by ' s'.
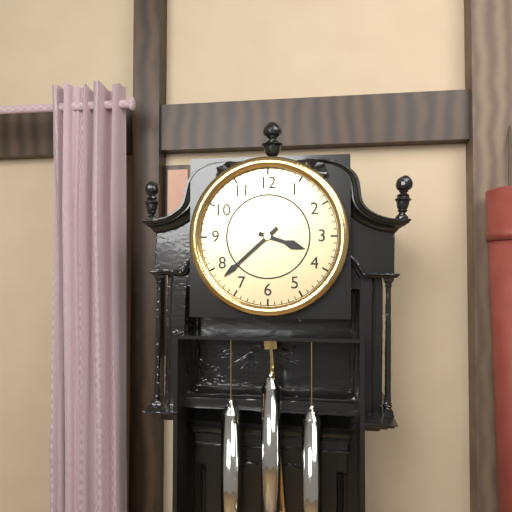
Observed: 3 h 38 min
